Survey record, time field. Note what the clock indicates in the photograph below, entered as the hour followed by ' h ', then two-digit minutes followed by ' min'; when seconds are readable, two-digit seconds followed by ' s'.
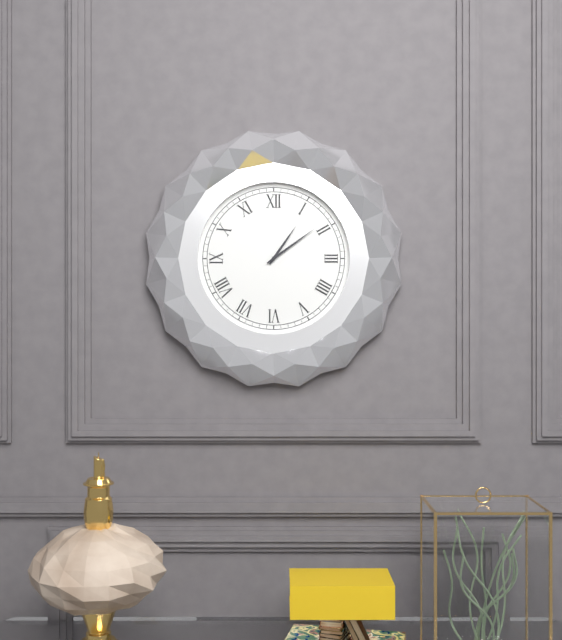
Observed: 1 h 09 min
